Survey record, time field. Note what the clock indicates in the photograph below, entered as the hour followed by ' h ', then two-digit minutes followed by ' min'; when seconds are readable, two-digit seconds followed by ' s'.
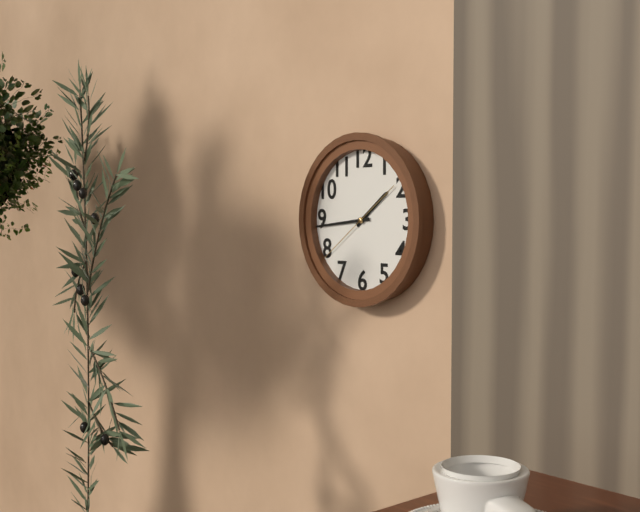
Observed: 1 h 44 min 39 s
